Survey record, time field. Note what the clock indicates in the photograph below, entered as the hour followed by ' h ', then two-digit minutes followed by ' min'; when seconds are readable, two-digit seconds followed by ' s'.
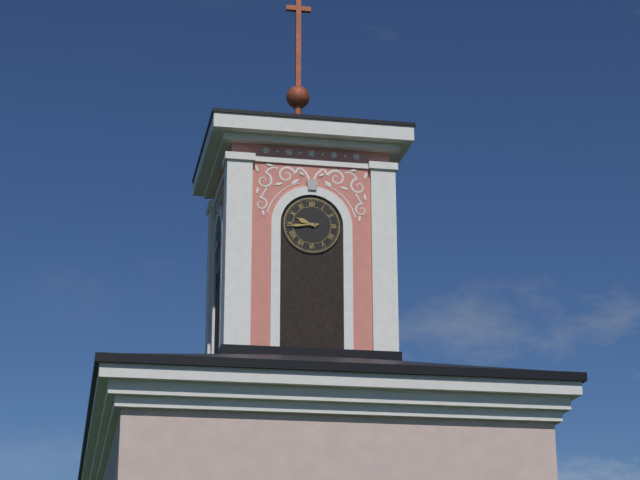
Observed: 9 h 44 min
